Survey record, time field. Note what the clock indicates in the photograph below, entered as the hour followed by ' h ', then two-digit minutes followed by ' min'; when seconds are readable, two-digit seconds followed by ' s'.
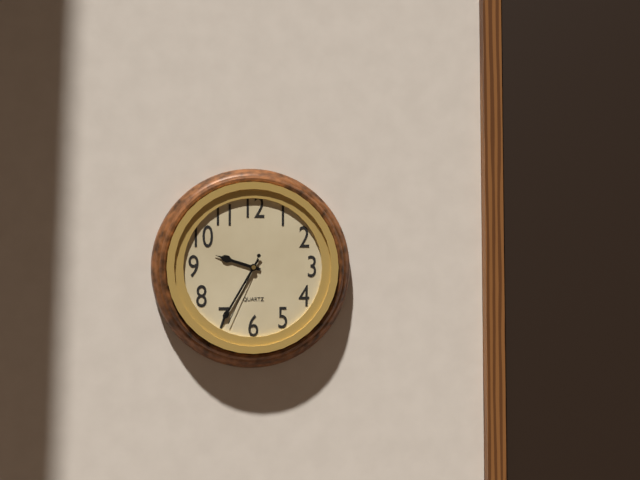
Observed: 9 h 35 min 34 s
